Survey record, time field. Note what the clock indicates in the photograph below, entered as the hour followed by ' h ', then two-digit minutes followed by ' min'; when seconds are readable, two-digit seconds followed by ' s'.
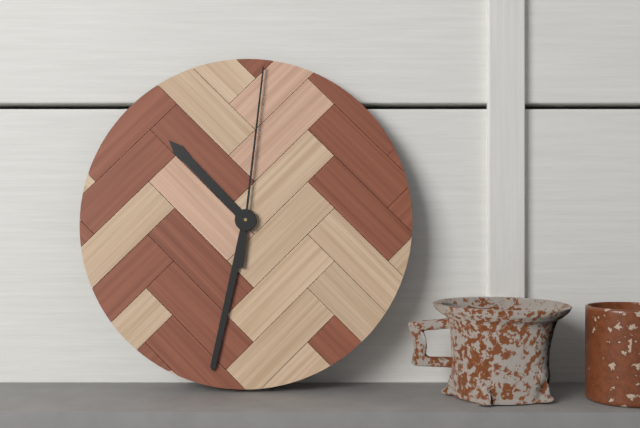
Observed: 10 h 32 min 01 s
